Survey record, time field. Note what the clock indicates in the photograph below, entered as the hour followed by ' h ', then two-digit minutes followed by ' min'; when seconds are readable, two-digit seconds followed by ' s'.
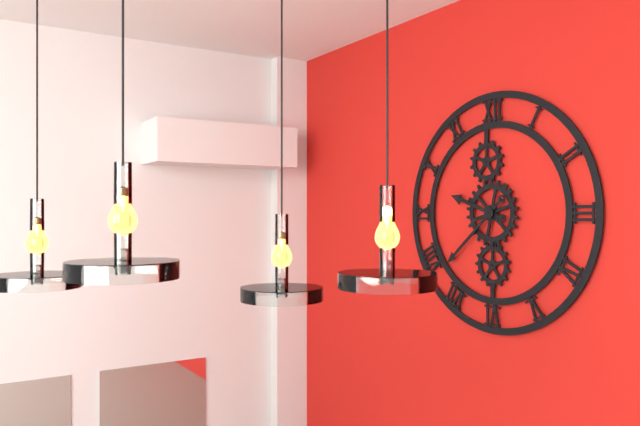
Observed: 9 h 38 min
